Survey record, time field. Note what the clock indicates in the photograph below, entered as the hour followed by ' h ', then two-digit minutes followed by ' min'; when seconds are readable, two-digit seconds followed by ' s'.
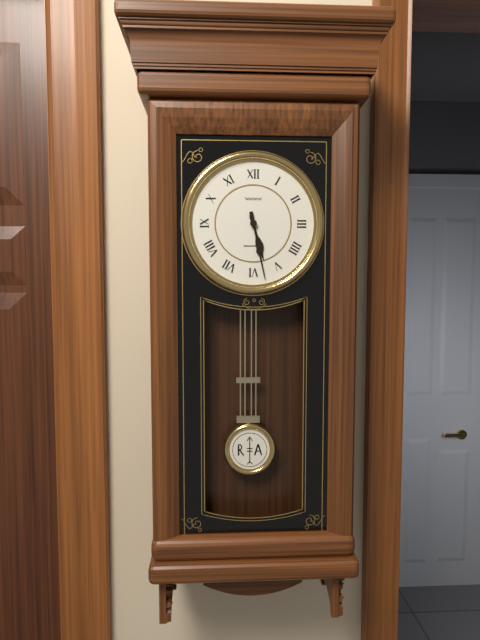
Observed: 5 h 28 min
